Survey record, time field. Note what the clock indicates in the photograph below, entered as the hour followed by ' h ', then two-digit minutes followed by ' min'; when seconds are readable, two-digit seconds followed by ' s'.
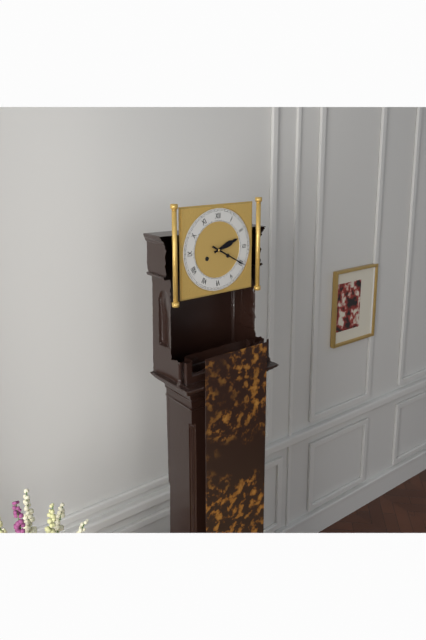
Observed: 2 h 20 min
